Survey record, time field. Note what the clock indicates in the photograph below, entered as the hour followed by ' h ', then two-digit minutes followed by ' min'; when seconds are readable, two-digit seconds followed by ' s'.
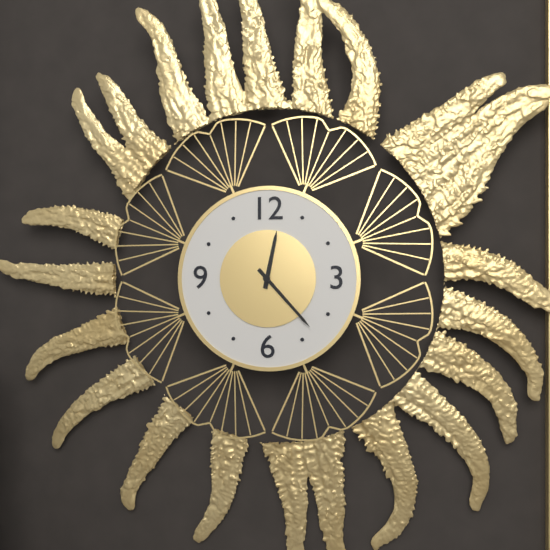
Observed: 12 h 23 min
